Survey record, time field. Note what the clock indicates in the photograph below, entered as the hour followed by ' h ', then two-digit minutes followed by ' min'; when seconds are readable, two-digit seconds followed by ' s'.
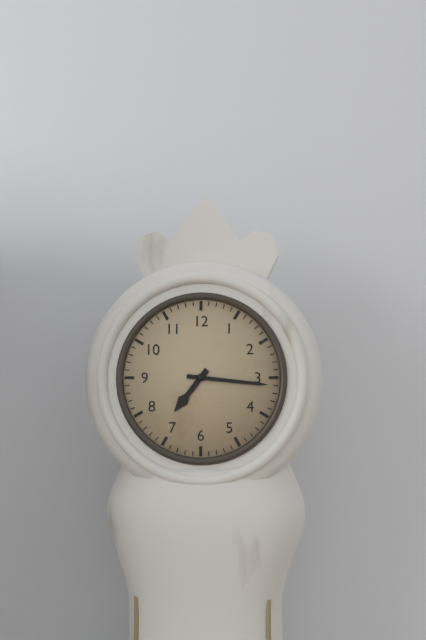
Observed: 7 h 16 min
